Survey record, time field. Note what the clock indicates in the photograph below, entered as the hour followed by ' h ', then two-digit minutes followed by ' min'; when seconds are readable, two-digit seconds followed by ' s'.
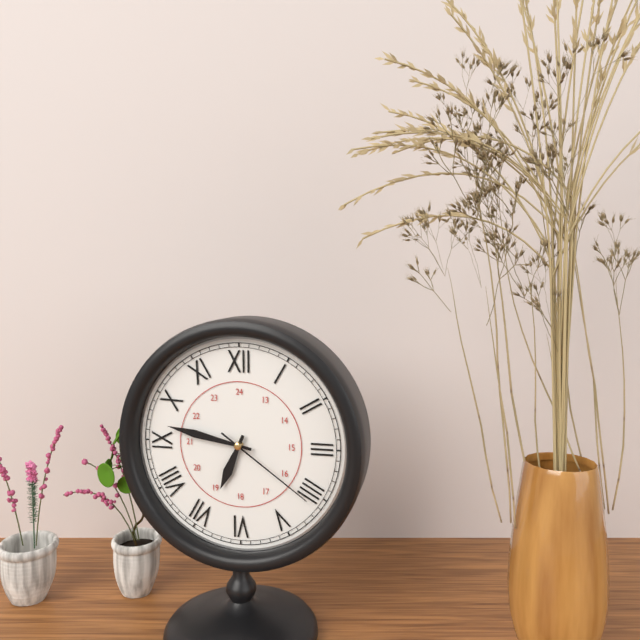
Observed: 6 h 47 min 21 s
